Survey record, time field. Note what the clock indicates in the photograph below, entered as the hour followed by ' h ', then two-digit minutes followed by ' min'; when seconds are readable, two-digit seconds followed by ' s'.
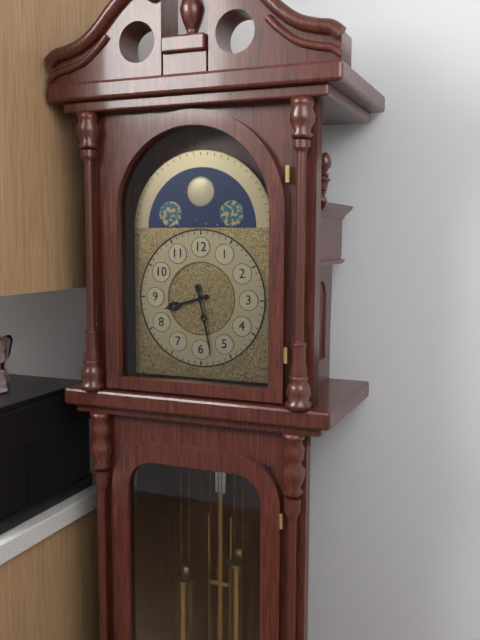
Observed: 8 h 28 min
